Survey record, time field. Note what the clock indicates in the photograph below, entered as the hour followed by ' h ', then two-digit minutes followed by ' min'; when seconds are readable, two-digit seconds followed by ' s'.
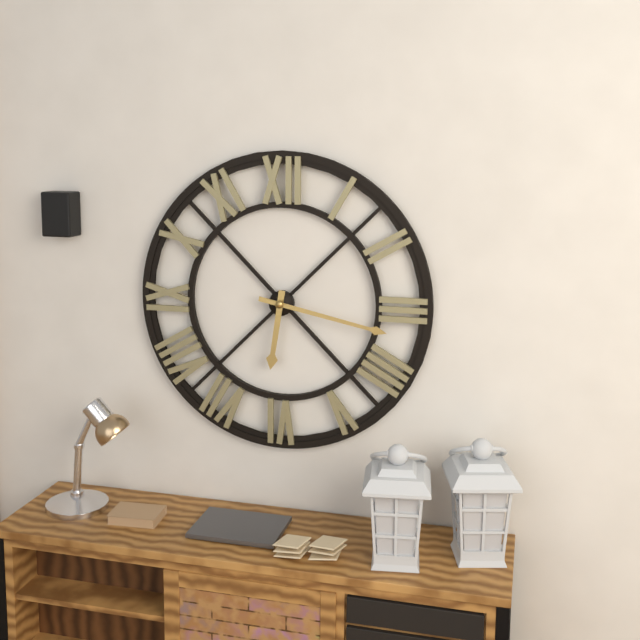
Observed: 6 h 17 min
